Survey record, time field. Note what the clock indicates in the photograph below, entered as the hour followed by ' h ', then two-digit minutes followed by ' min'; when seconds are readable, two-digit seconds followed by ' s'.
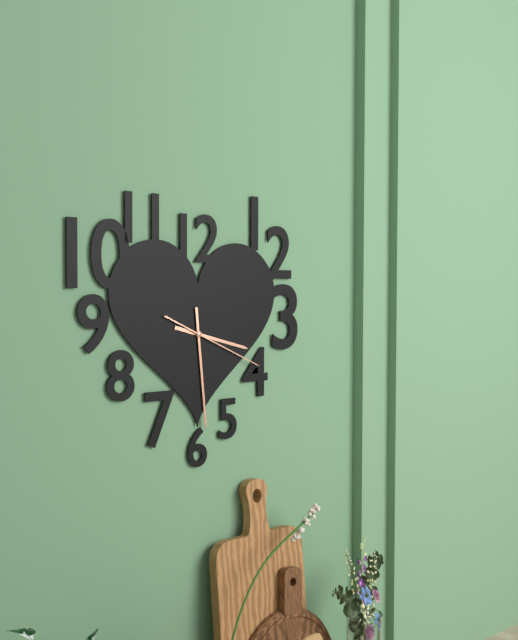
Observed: 3 h 29 min 19 s
